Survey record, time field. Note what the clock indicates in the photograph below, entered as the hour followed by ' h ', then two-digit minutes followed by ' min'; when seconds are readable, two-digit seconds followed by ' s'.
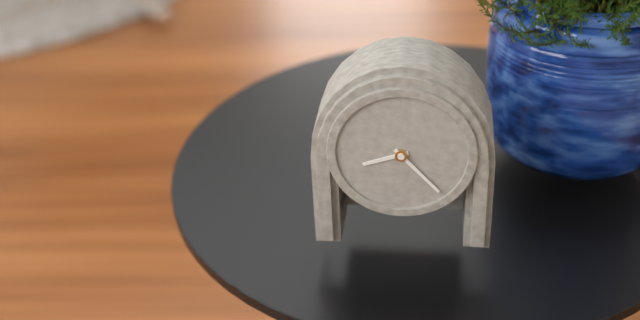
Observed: 8 h 23 min
